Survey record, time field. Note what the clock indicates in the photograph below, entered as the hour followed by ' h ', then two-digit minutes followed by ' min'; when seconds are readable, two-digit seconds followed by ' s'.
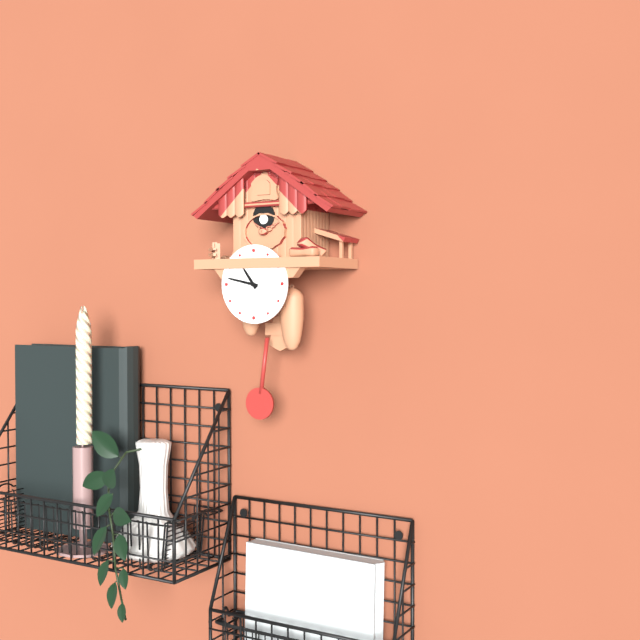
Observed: 10 h 47 min
